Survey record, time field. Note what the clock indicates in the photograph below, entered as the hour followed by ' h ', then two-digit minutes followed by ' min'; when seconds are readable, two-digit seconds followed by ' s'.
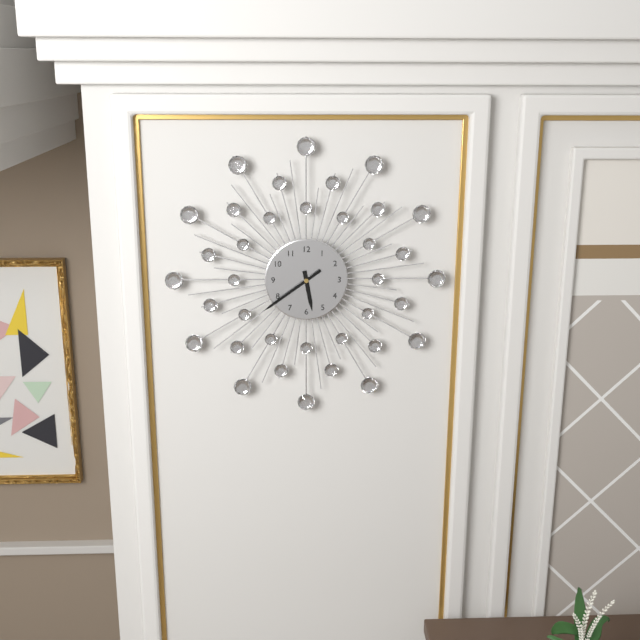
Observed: 5 h 39 min
